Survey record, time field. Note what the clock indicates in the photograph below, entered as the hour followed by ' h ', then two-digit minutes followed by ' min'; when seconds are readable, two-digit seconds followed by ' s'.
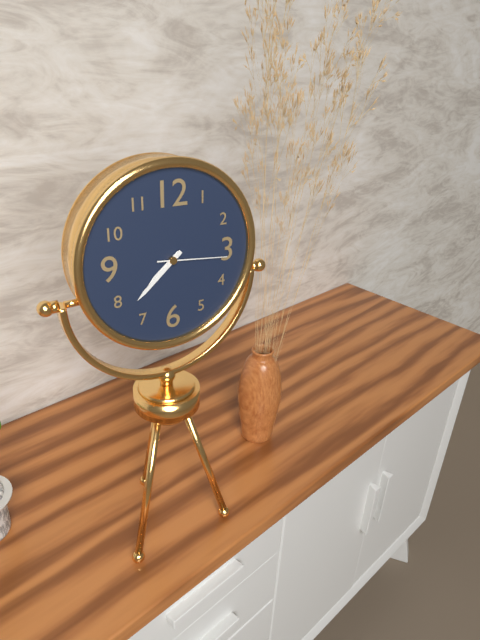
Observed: 7 h 38 min 16 s
